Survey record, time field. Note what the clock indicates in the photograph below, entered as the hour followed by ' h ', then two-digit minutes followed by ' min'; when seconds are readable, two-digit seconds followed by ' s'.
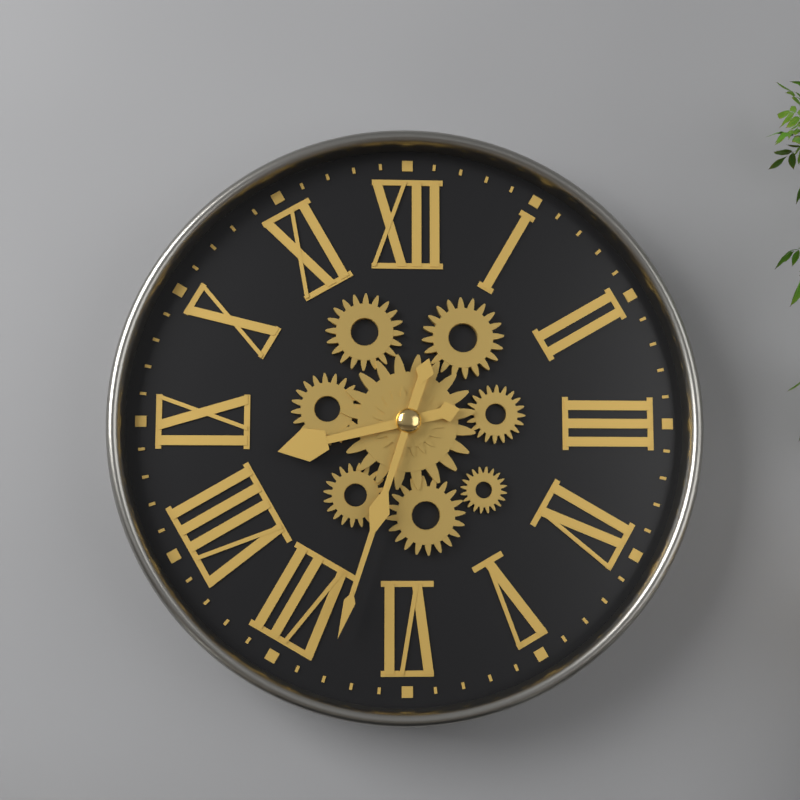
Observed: 8 h 33 min
